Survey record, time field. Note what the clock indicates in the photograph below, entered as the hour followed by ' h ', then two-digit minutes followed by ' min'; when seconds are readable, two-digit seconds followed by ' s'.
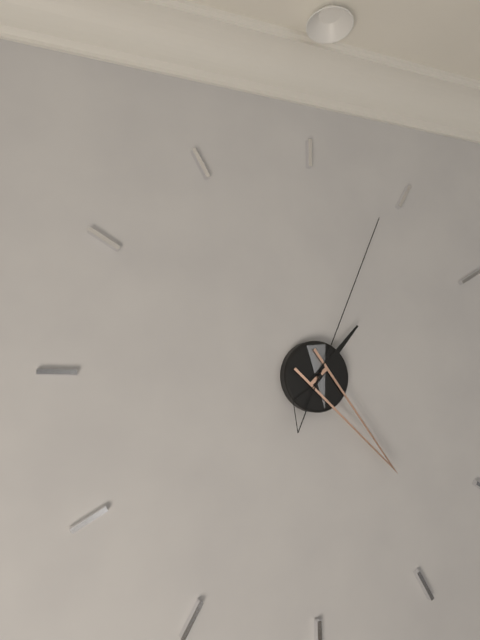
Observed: 1 h 23 min 04 s
